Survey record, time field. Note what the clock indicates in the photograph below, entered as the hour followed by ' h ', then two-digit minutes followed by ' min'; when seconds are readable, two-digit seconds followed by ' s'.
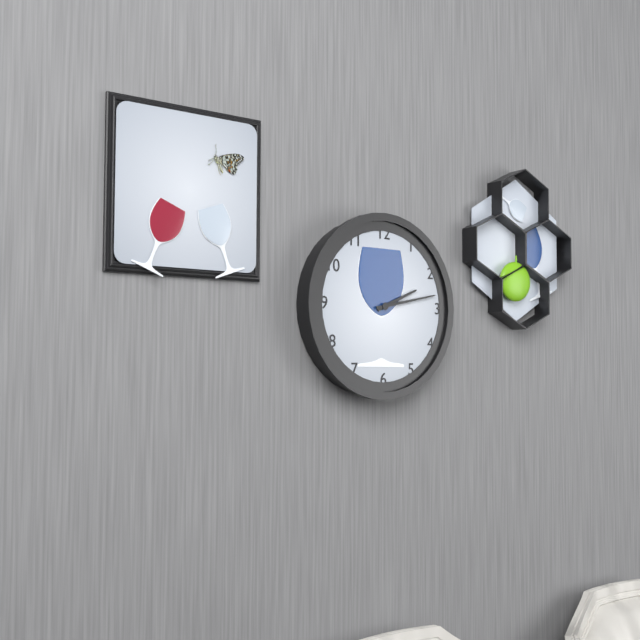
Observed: 2 h 13 min
